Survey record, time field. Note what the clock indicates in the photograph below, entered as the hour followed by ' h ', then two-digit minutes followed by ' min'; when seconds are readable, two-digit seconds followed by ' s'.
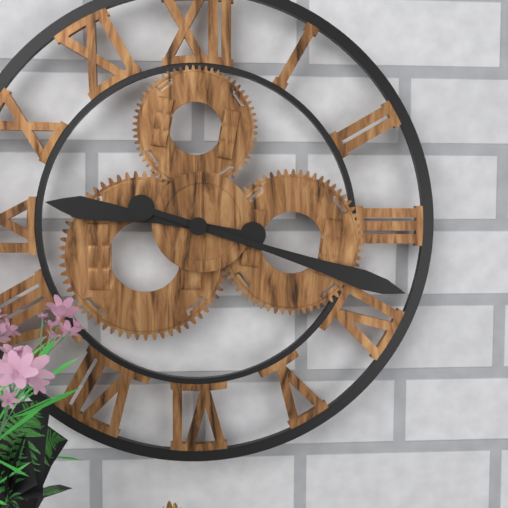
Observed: 9 h 18 min
